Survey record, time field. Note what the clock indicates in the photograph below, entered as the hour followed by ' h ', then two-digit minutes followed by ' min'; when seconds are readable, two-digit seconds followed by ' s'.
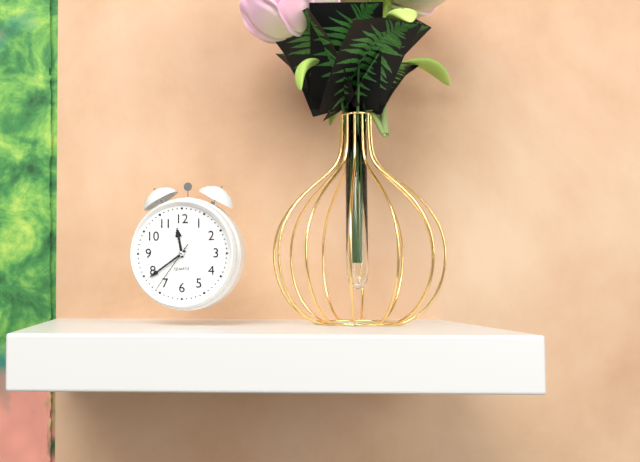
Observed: 11 h 39 min 36 s
